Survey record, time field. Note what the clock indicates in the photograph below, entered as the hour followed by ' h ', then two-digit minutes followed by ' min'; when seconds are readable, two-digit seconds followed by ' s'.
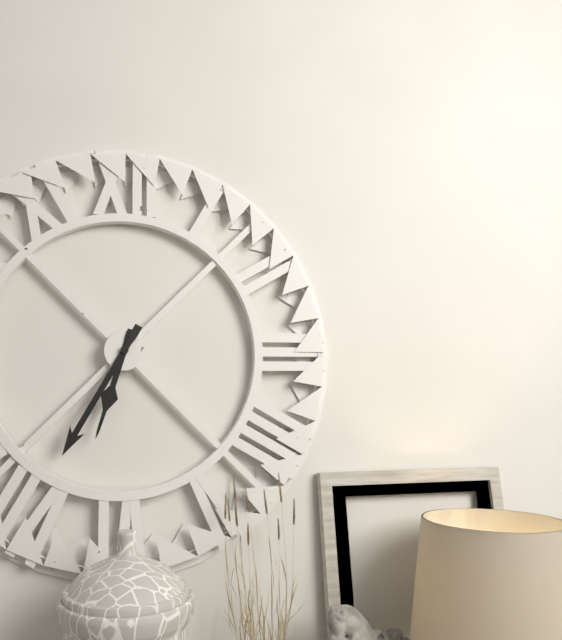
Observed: 6 h 35 min
